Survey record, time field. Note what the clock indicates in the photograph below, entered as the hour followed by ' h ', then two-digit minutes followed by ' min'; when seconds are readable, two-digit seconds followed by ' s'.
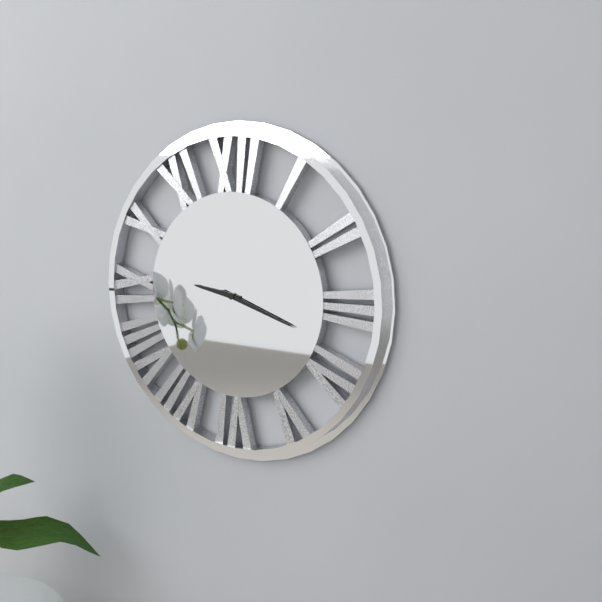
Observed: 9 h 18 min
